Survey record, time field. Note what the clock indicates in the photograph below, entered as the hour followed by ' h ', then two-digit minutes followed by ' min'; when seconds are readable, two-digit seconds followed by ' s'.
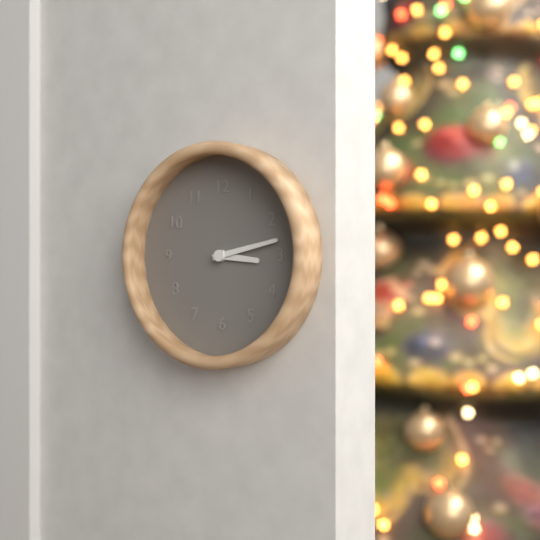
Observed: 3 h 13 min
